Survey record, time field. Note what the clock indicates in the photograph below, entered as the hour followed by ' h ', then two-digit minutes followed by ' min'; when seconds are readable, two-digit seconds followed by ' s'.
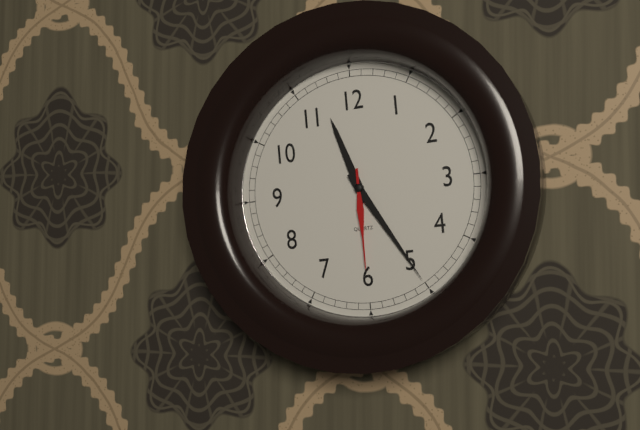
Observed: 11 h 25 min 30 s
